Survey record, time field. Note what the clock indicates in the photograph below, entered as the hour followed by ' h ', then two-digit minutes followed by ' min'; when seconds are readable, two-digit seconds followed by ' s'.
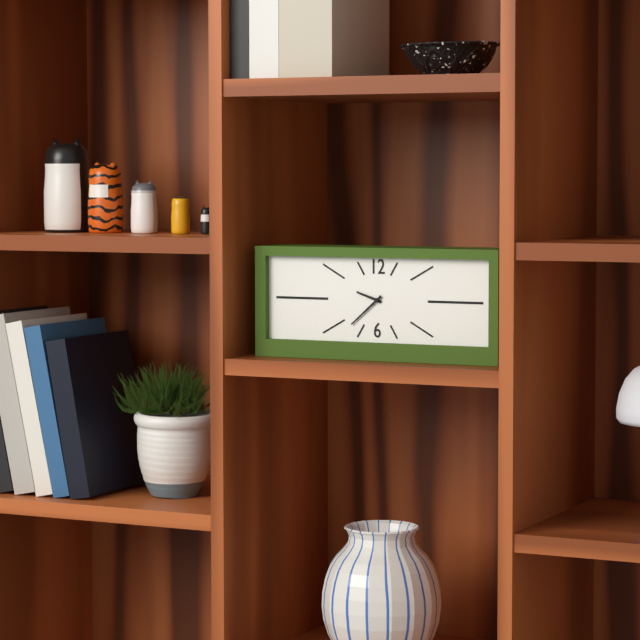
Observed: 9 h 38 min
